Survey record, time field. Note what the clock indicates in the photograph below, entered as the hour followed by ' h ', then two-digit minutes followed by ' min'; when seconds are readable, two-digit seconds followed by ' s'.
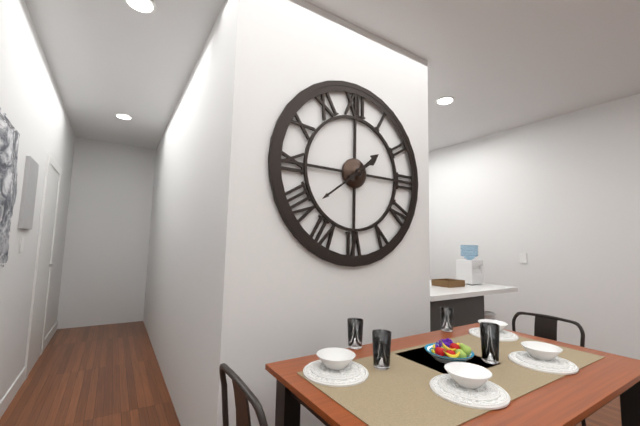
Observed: 1 h 39 min
